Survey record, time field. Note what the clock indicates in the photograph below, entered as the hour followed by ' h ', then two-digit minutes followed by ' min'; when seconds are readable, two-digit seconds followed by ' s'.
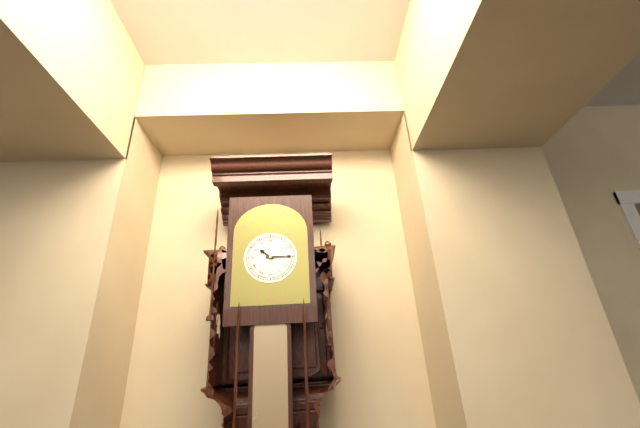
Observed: 10 h 15 min
